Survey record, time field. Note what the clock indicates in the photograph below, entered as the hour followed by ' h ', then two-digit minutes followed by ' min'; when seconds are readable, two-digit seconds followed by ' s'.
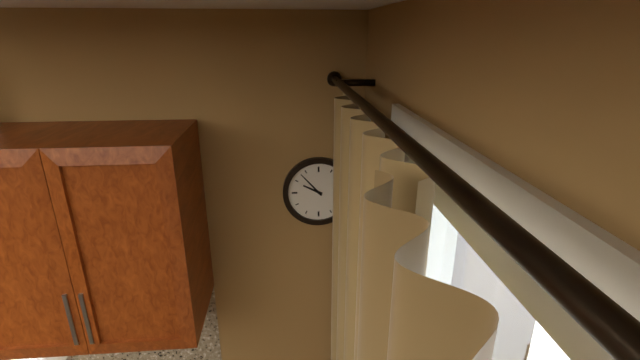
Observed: 9 h 53 min
